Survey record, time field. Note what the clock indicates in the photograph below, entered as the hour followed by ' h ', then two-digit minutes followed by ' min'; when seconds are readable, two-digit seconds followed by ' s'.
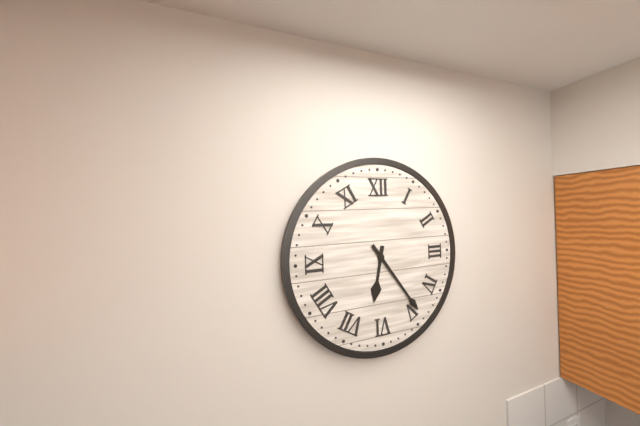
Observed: 6 h 24 min
